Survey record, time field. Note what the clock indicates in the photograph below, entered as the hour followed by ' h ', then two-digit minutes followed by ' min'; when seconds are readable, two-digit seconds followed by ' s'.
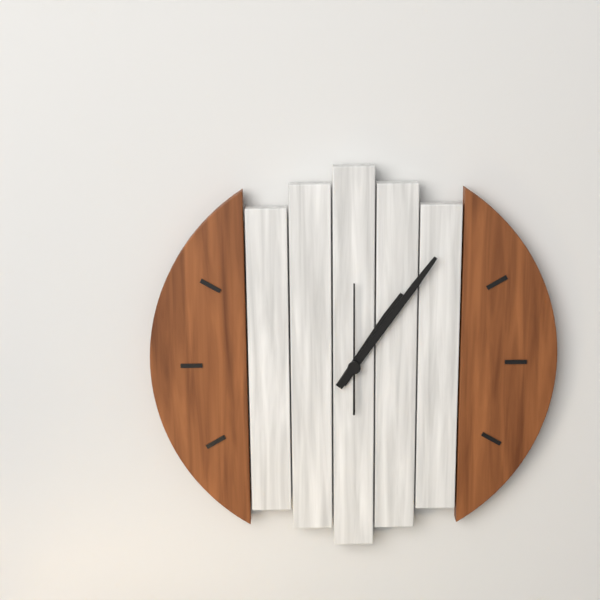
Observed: 1 h 06 min 00 s
